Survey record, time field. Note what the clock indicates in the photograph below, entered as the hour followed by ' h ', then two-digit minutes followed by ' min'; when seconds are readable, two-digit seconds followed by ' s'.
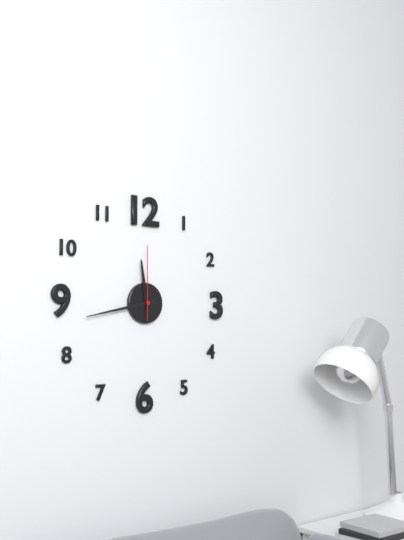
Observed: 11 h 43 min 00 s
